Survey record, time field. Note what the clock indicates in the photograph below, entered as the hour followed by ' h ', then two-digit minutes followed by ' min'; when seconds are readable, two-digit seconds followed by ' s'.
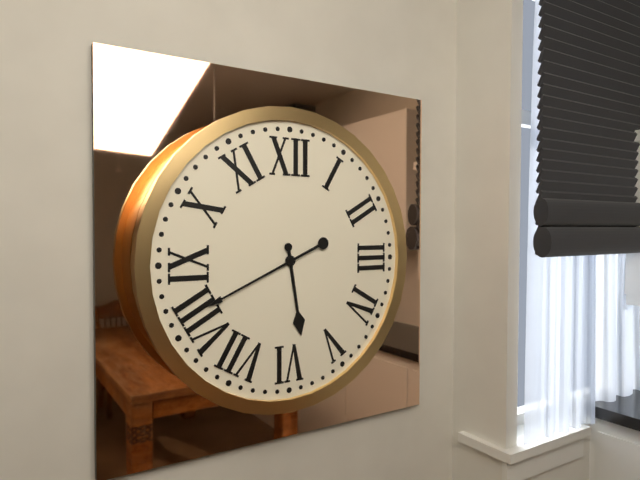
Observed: 5 h 41 min
